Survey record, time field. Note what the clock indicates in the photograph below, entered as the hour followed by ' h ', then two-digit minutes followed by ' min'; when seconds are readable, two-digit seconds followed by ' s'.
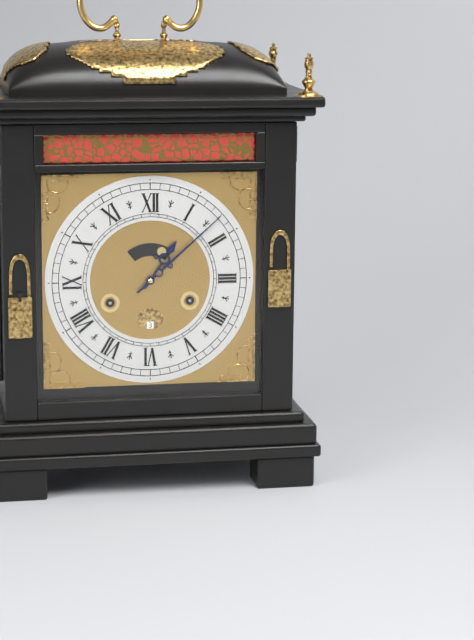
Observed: 1 h 08 min
